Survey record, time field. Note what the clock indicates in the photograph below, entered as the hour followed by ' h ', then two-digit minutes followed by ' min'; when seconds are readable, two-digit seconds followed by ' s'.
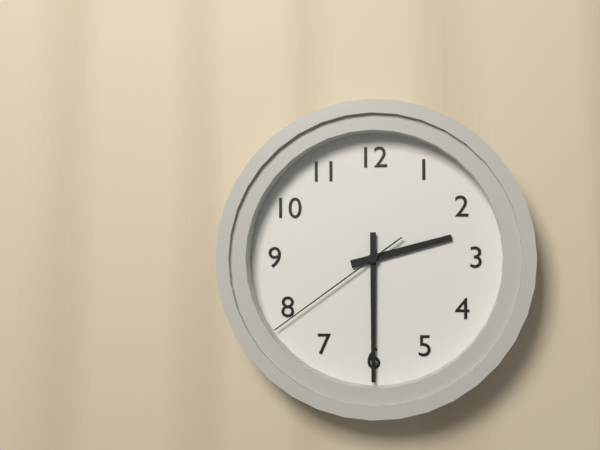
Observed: 2 h 30 min 39 s
